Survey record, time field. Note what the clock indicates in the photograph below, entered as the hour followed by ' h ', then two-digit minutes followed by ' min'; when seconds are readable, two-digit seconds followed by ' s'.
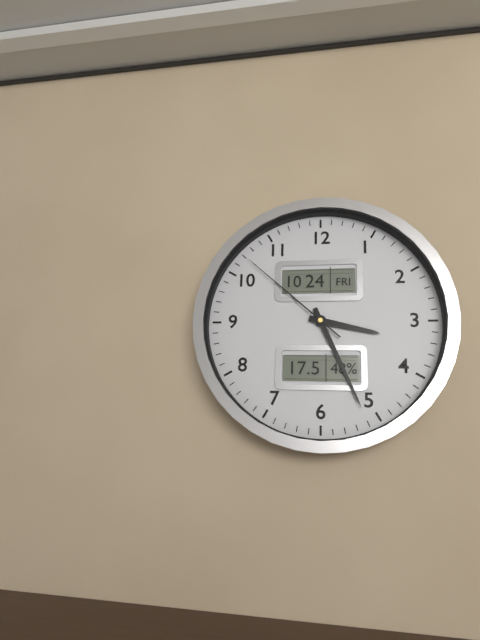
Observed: 3 h 26 min 52 s
